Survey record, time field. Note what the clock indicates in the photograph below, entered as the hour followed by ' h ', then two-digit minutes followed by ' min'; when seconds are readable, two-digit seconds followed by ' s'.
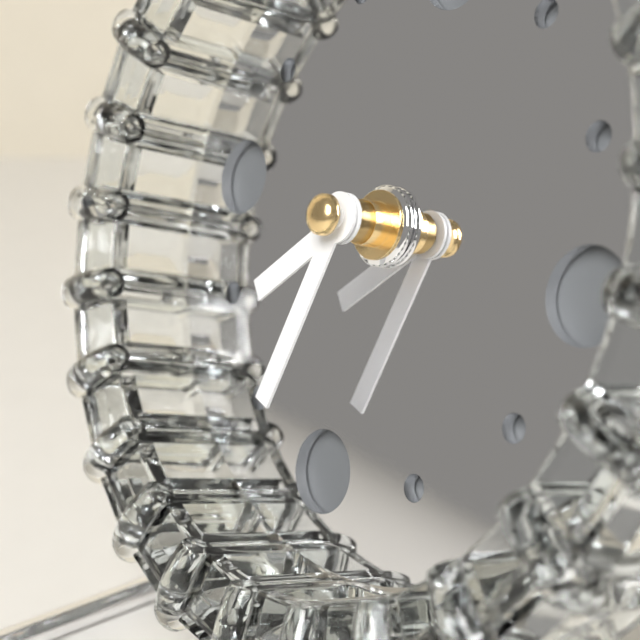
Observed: 7 h 32 min
